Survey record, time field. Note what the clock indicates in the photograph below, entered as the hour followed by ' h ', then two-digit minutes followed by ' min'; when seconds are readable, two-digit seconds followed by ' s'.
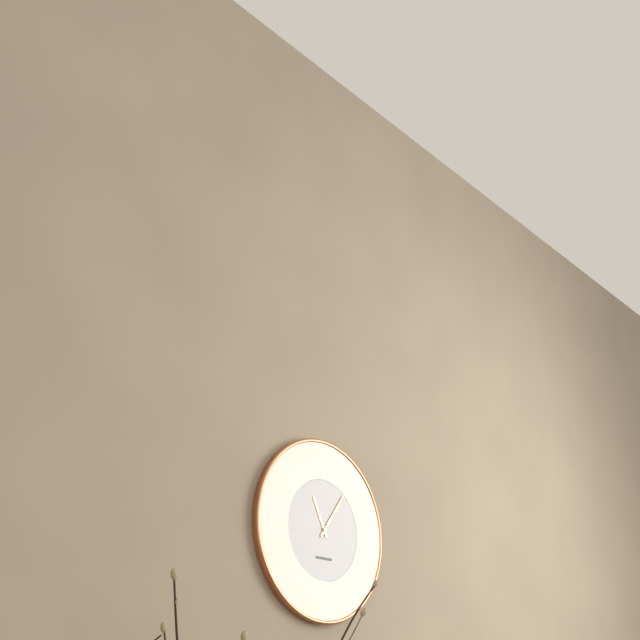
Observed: 11 h 06 min
